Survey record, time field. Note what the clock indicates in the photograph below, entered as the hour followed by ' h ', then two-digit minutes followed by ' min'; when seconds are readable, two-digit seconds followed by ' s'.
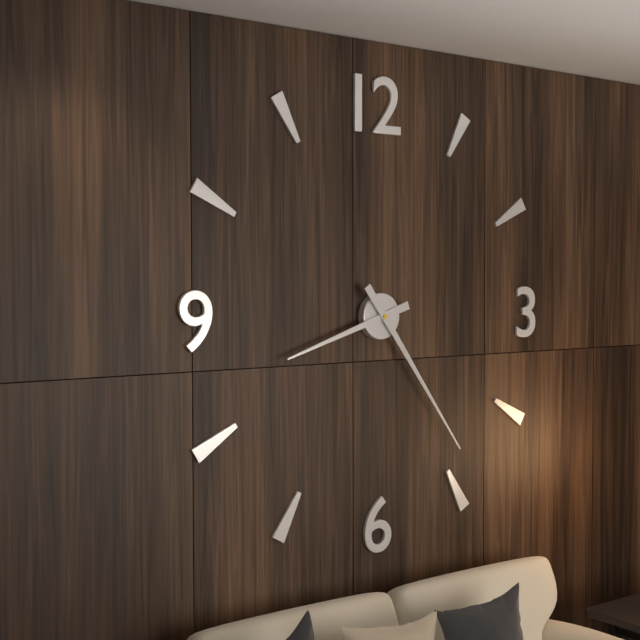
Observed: 8 h 24 min
